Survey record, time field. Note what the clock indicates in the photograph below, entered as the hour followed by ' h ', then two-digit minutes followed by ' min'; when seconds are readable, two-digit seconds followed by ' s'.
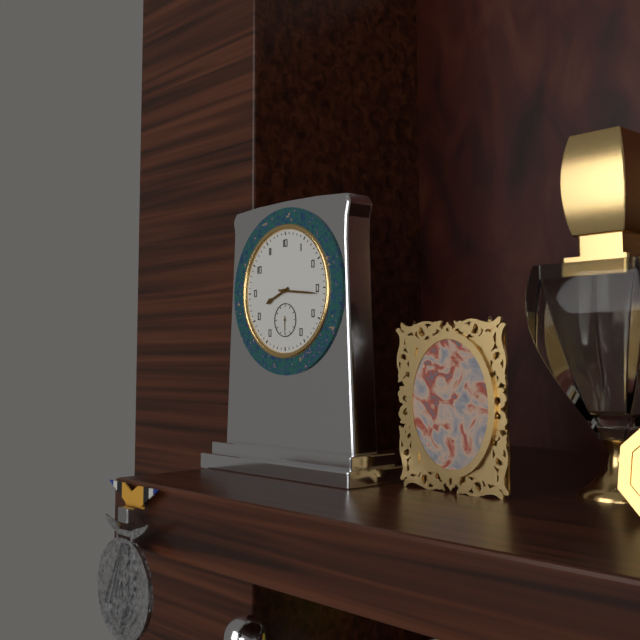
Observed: 8 h 16 min
